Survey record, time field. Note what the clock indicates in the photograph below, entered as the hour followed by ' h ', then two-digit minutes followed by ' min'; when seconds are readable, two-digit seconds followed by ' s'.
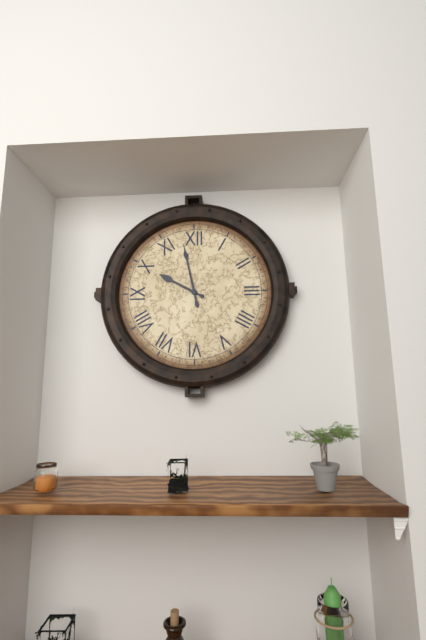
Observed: 9 h 58 min
